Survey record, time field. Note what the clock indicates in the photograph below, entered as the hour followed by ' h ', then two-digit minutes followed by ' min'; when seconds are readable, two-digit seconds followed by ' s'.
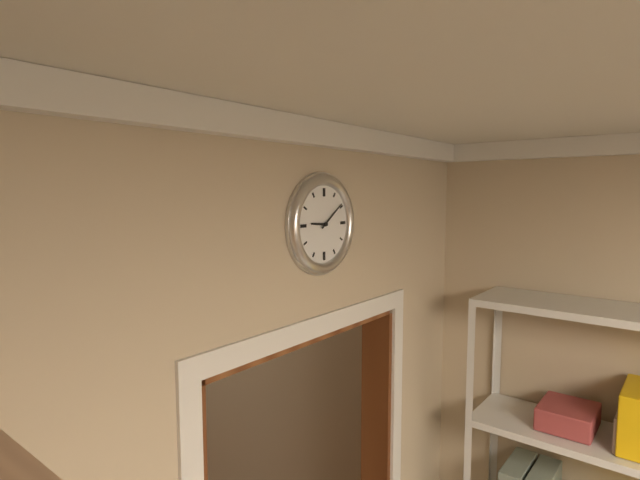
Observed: 9 h 09 min
